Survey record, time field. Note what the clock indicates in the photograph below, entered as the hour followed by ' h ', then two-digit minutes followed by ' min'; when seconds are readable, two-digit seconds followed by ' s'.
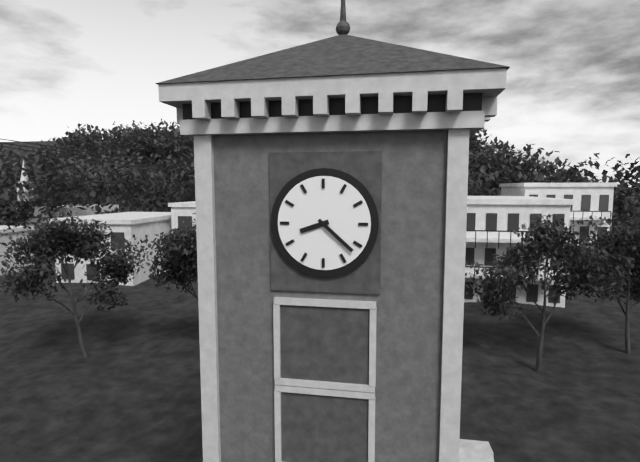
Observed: 8 h 22 min
